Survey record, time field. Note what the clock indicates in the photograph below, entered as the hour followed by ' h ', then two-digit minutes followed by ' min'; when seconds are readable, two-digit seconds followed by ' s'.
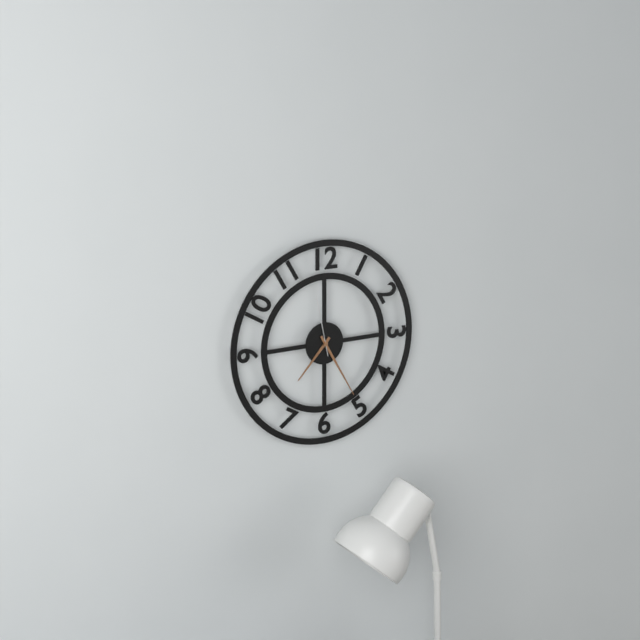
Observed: 7 h 25 min 58 s
